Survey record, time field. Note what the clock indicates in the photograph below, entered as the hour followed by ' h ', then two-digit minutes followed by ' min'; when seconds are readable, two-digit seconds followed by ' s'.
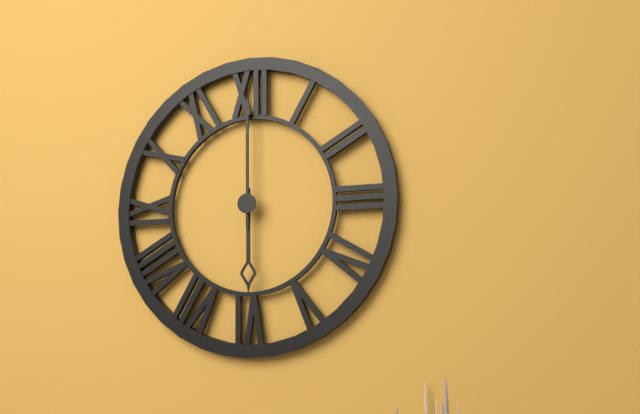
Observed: 6 h 00 min
